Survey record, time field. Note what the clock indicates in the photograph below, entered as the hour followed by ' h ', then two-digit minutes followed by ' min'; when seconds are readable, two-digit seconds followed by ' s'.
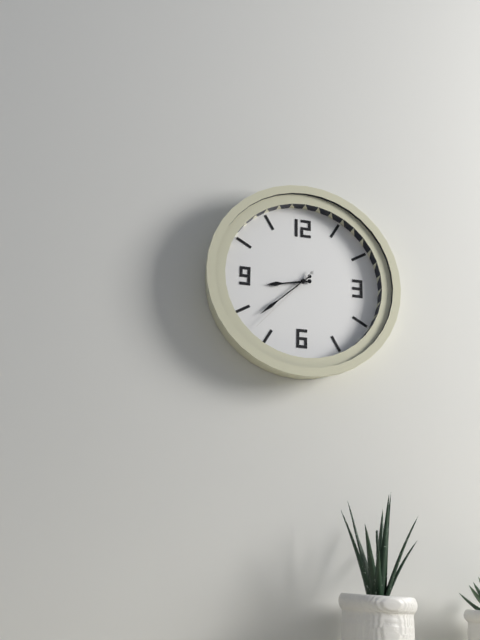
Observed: 8 h 38 min 37 s
